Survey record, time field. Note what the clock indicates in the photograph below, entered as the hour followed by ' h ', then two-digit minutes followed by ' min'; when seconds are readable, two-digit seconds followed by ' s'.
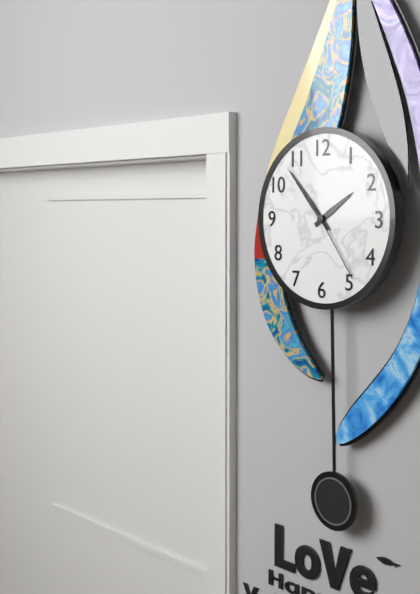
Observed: 1 h 53 min 24 s
